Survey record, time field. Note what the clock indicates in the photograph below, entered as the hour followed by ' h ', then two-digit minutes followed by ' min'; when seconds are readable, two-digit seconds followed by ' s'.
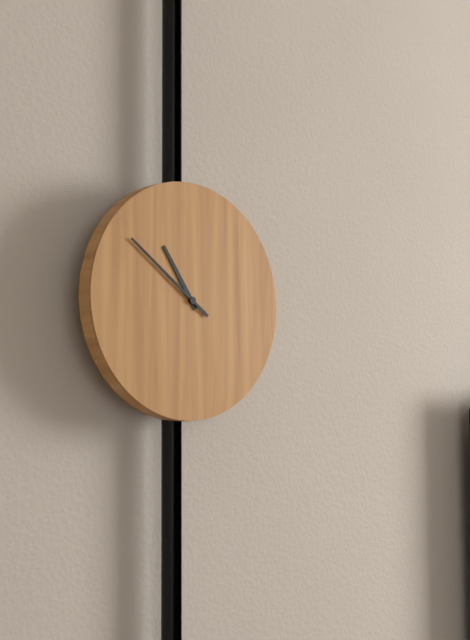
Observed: 10 h 51 min
